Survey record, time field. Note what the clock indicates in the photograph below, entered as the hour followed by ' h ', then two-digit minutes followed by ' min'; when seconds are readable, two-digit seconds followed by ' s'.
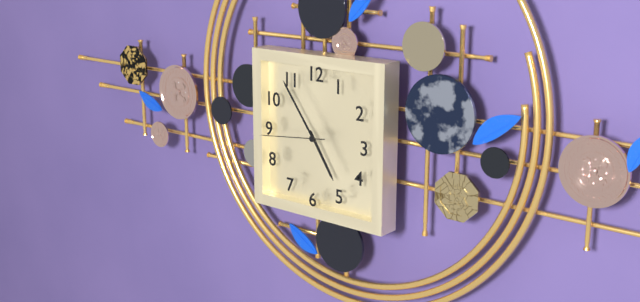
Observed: 4 h 54 min 44 s
